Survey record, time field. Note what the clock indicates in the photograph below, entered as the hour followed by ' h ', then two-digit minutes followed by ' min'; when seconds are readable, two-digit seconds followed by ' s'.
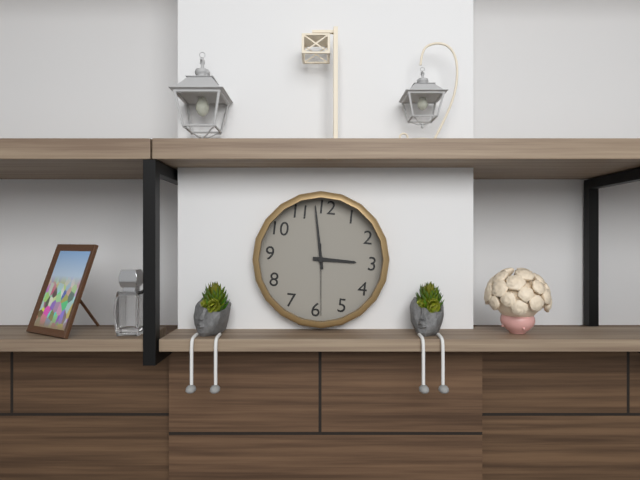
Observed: 2 h 58 min 29 s
